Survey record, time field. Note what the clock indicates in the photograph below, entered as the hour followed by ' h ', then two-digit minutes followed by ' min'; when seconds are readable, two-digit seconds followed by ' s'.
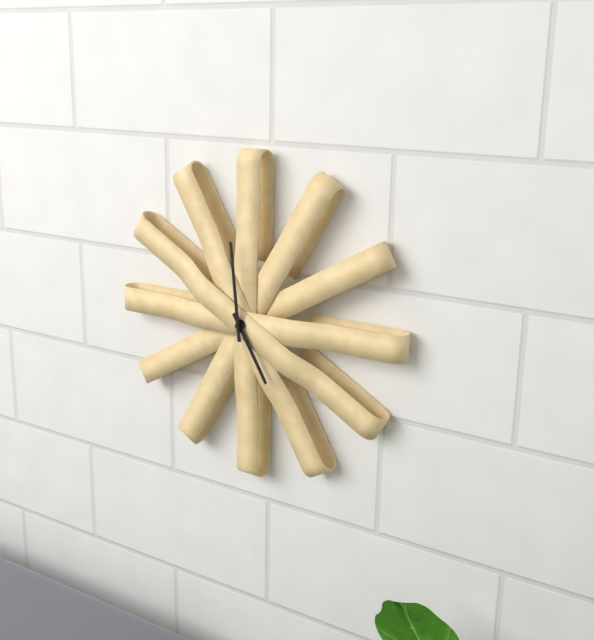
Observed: 4 h 59 min
